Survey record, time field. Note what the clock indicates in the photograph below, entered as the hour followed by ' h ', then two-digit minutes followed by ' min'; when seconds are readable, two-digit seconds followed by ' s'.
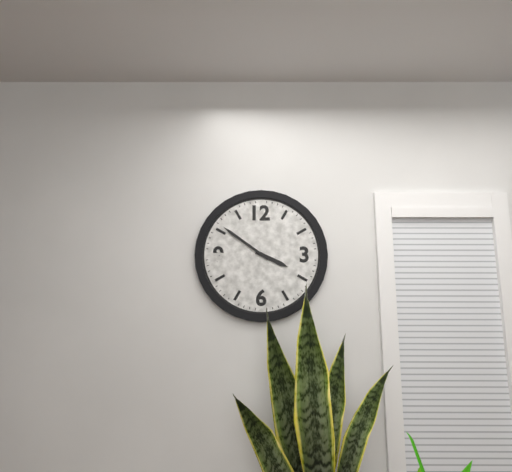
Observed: 3 h 51 min
